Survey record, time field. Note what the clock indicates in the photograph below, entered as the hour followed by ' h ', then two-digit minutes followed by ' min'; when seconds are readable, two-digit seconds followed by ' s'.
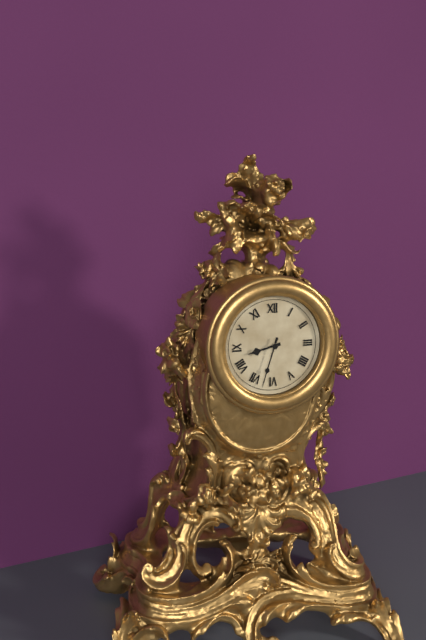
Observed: 8 h 33 min
